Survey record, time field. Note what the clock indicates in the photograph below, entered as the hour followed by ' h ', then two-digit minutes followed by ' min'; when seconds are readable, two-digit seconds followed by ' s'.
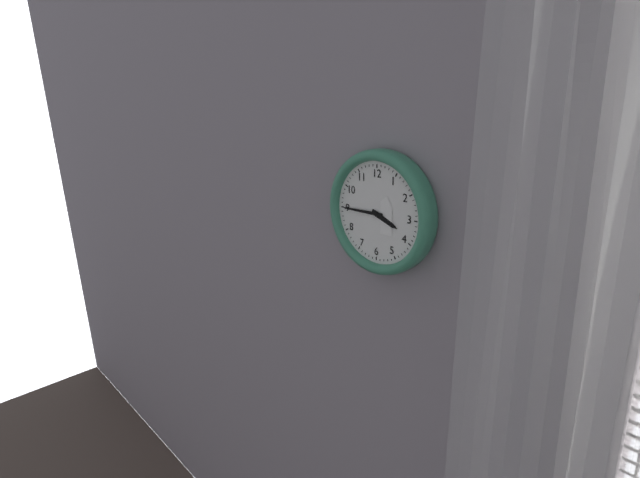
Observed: 3 h 45 min
